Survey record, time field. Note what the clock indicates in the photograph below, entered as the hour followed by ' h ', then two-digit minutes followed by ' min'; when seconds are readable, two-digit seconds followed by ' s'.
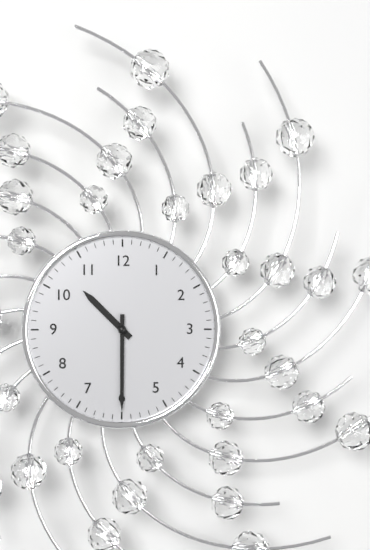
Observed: 10 h 30 min
